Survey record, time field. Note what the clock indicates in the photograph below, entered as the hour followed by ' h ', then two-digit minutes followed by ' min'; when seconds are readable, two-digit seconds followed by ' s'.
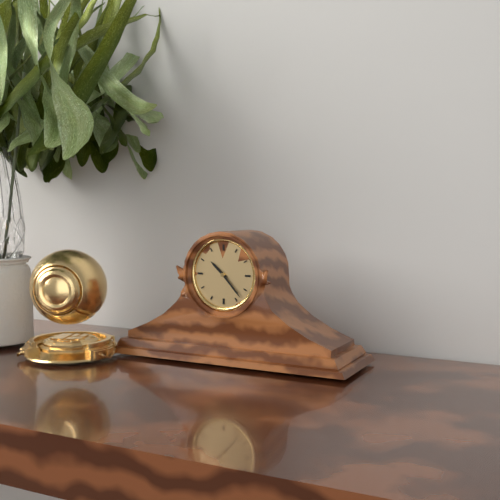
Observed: 10 h 23 min
